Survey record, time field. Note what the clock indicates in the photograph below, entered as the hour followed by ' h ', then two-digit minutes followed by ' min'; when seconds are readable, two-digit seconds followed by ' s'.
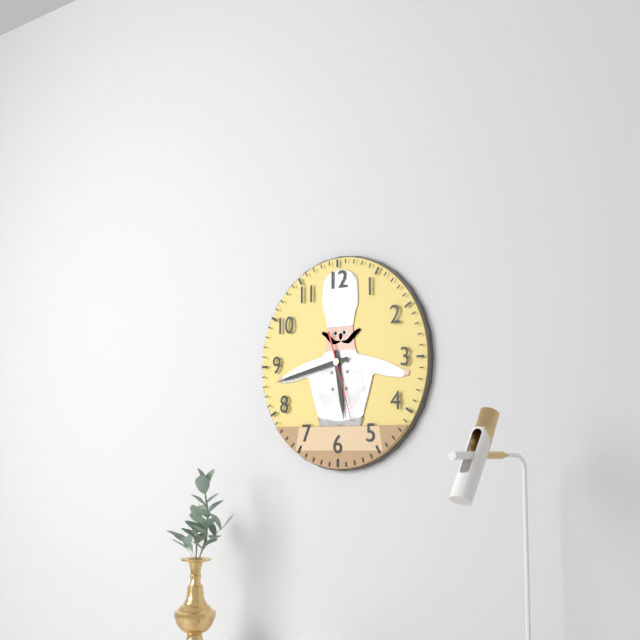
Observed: 5 h 43 min 27 s
